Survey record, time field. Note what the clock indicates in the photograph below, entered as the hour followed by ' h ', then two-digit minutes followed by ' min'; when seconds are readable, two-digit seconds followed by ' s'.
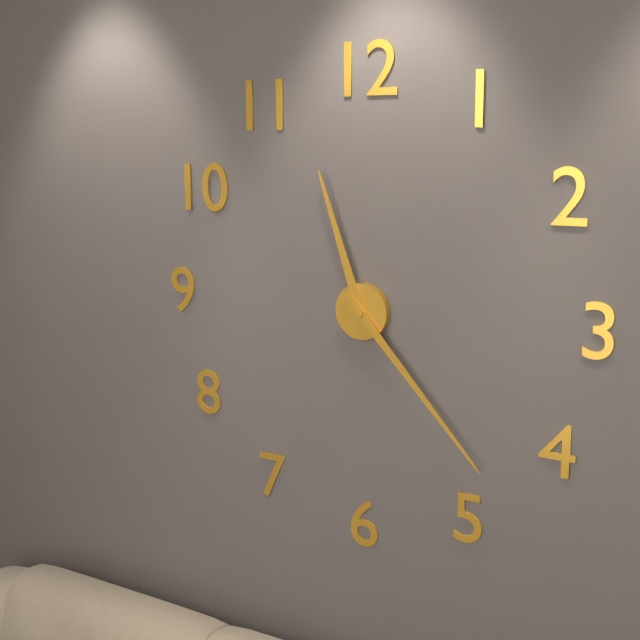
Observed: 11 h 23 min
